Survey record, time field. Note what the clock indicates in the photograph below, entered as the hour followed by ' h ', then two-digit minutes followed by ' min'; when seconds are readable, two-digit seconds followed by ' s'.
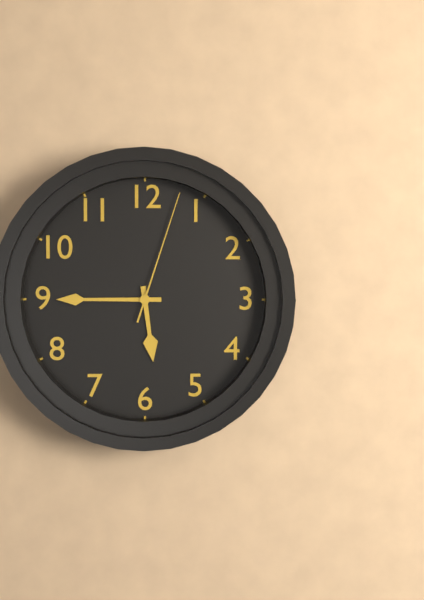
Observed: 5 h 45 min 03 s
